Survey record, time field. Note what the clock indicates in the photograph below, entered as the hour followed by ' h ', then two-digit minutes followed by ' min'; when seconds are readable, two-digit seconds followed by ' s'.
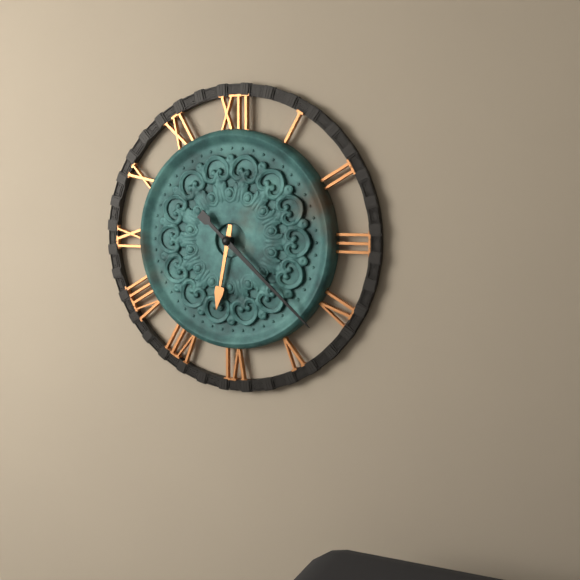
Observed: 6 h 22 min
